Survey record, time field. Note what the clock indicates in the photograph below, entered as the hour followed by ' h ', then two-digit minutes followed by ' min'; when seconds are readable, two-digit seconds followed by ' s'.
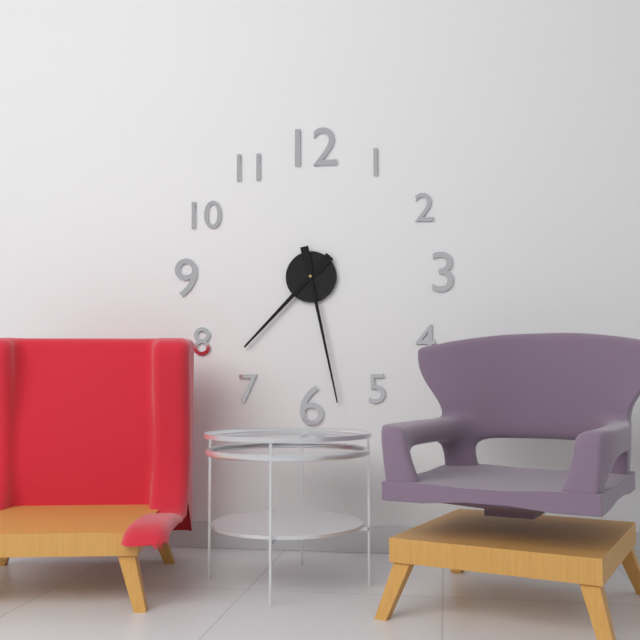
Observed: 7 h 28 min
